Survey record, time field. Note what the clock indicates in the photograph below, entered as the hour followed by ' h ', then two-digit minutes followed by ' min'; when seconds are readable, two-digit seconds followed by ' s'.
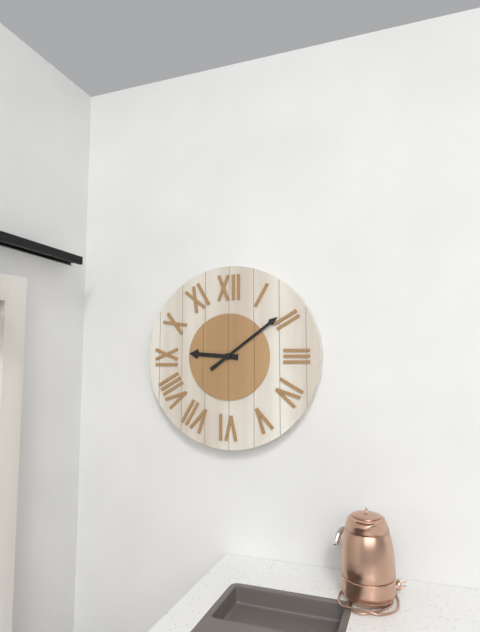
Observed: 9 h 09 min
